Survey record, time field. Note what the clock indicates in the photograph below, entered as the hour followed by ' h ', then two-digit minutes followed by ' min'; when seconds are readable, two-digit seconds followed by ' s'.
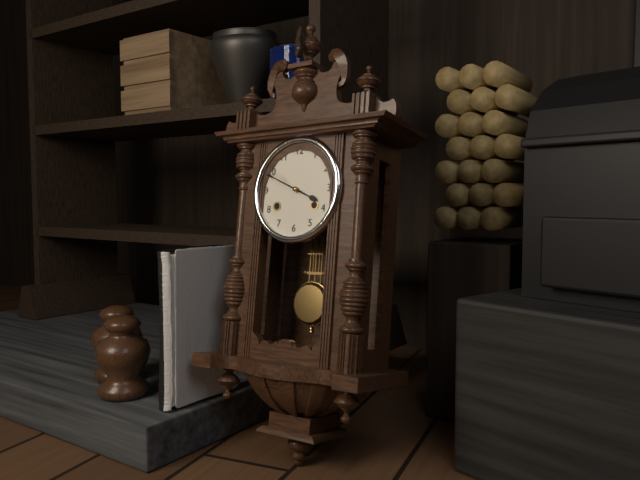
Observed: 3 h 49 min
